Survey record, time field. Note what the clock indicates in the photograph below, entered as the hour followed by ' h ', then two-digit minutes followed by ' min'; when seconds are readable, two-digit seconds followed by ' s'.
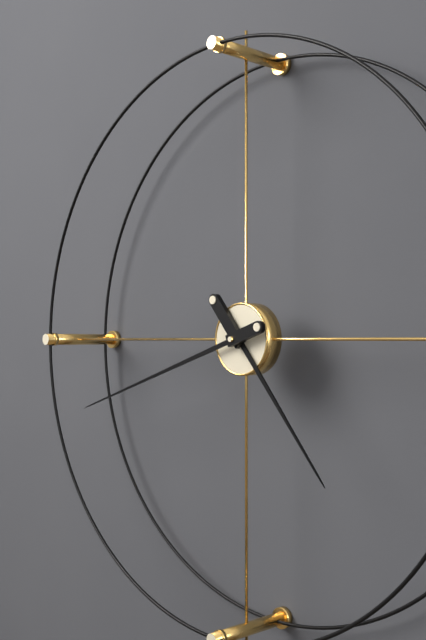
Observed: 4 h 42 min
